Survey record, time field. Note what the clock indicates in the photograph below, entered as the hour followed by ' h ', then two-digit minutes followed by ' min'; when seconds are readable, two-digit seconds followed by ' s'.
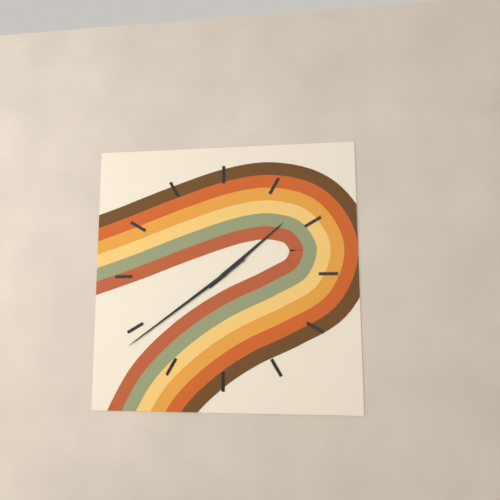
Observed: 1 h 39 min
